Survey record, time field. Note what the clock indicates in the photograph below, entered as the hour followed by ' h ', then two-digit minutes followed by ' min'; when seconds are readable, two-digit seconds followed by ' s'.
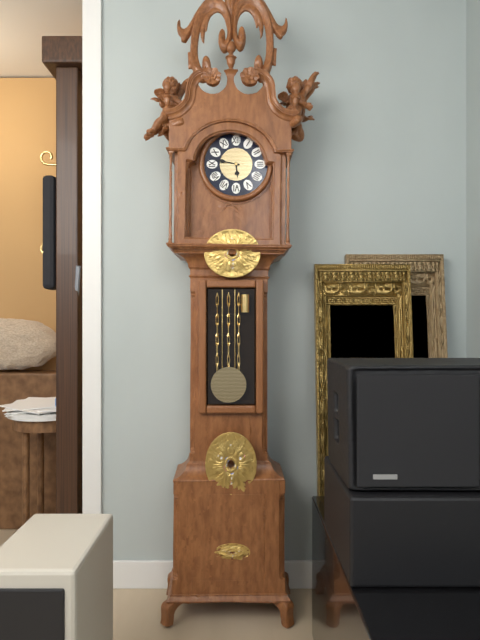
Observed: 5 h 47 min
